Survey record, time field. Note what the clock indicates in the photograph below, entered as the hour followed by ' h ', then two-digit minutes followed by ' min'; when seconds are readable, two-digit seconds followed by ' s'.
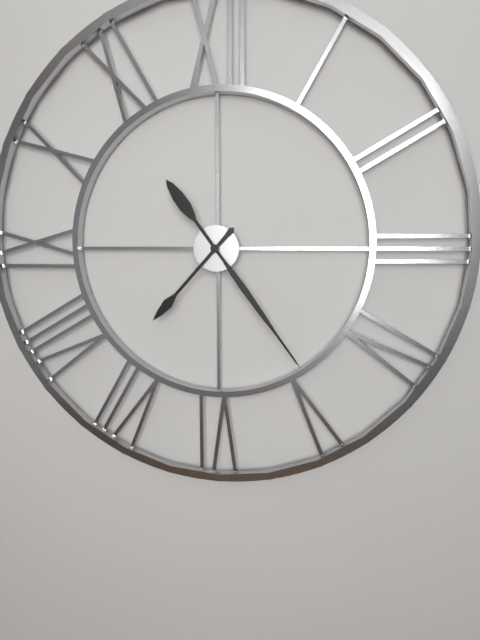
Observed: 7 h 24 min
